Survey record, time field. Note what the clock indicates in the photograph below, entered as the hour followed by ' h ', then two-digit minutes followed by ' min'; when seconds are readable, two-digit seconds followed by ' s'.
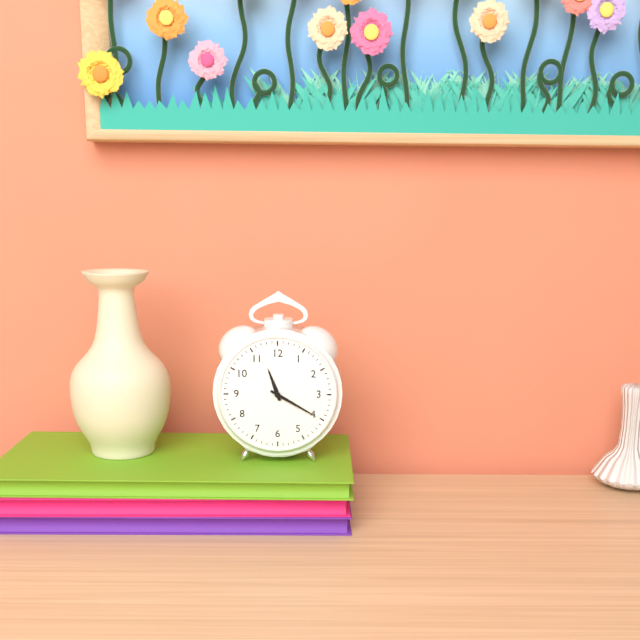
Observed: 11 h 20 min
